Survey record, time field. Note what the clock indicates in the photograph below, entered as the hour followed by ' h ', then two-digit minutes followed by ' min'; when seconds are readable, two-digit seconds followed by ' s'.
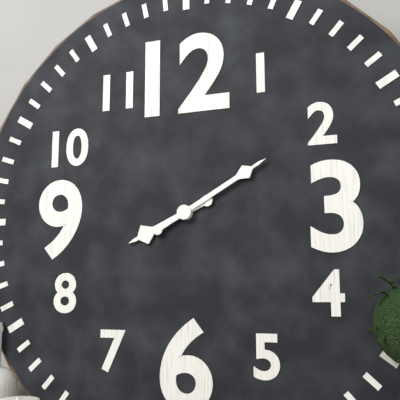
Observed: 8 h 10 min
